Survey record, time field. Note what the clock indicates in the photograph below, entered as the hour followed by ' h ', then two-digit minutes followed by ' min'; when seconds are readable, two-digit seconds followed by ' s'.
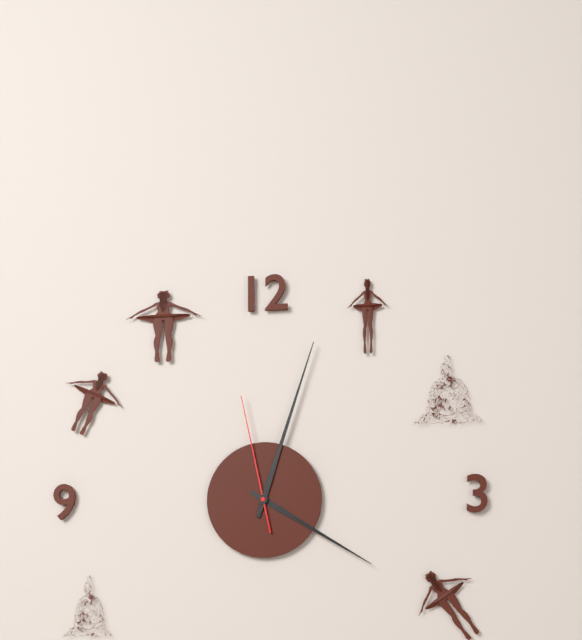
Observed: 4 h 03 min 58 s
